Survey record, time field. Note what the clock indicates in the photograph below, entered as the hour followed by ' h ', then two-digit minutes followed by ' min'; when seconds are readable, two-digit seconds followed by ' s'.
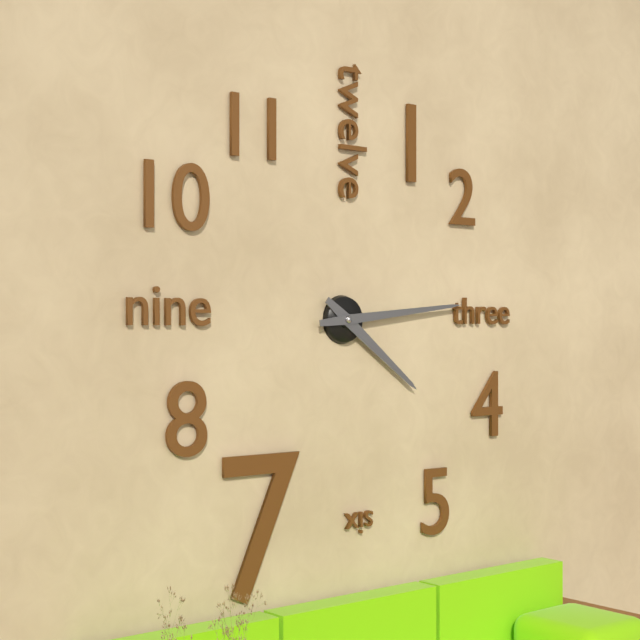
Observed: 4 h 14 min
